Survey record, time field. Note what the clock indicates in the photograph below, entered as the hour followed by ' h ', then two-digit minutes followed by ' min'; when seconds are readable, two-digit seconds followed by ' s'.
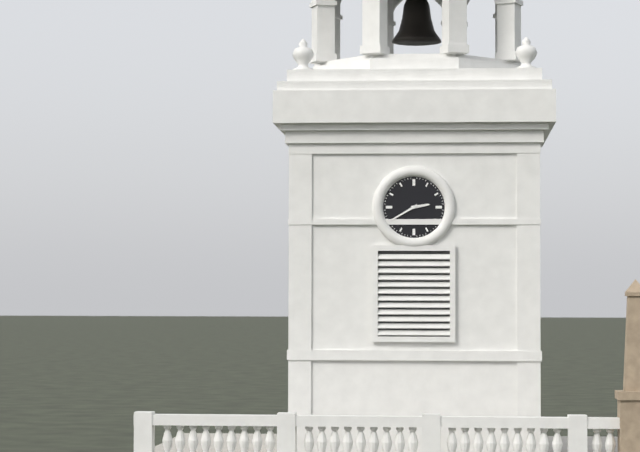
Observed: 2 h 40 min
